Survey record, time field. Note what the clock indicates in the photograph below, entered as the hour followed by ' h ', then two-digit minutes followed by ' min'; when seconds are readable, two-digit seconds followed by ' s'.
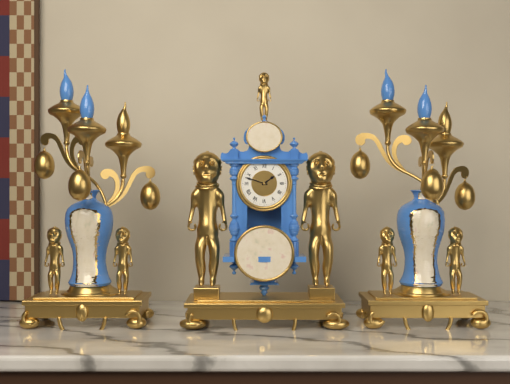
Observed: 1 h 48 min
